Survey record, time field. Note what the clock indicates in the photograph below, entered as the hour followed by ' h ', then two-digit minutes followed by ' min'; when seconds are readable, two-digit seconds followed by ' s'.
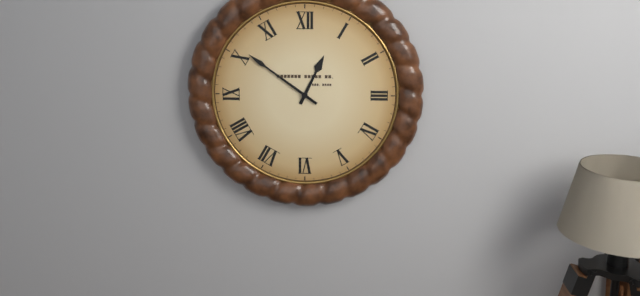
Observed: 12 h 51 min
